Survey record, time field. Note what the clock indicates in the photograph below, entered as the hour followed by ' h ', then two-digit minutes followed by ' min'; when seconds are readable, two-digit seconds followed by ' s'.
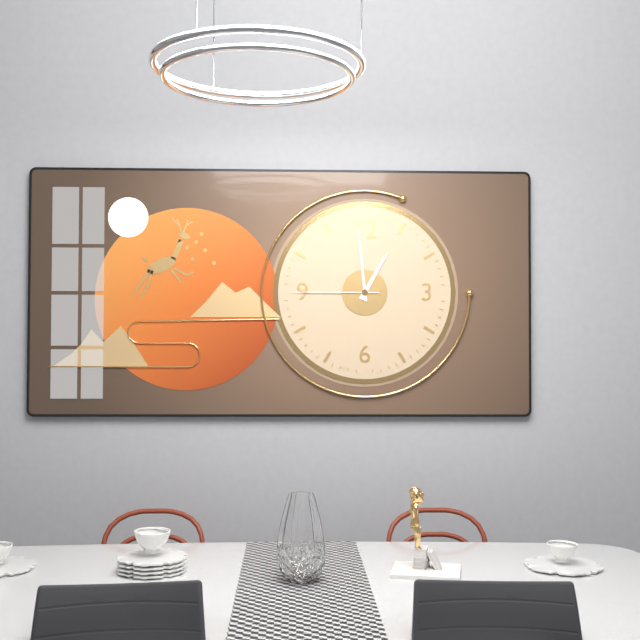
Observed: 12 h 59 min 45 s
